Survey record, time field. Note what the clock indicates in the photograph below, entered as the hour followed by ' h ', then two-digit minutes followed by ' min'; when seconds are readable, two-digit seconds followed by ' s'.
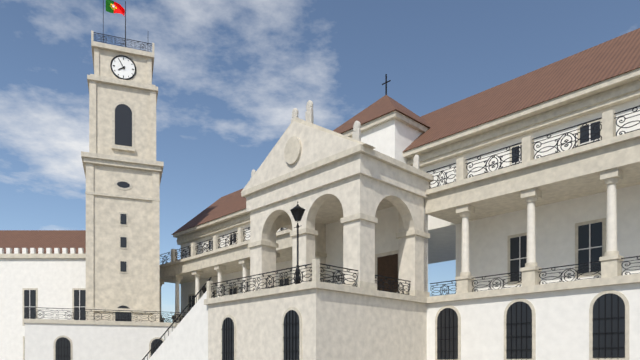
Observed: 7 h 55 min
